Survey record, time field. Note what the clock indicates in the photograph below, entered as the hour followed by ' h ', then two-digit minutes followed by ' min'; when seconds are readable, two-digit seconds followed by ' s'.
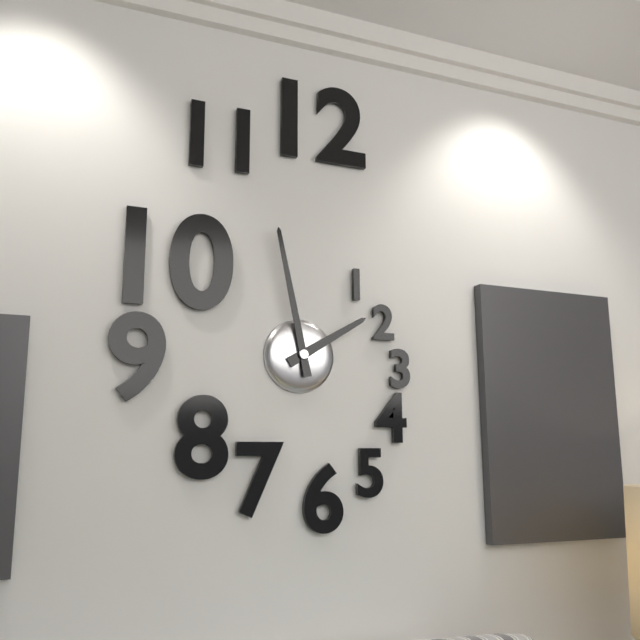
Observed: 1 h 58 min
